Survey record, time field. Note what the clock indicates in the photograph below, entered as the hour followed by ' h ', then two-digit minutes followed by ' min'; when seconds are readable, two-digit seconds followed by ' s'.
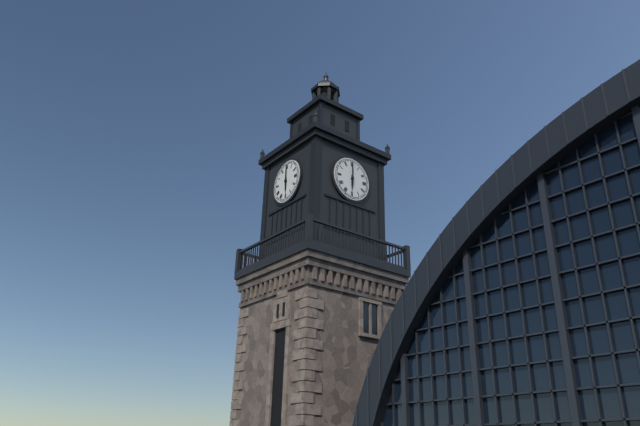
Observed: 6 h 00 min
